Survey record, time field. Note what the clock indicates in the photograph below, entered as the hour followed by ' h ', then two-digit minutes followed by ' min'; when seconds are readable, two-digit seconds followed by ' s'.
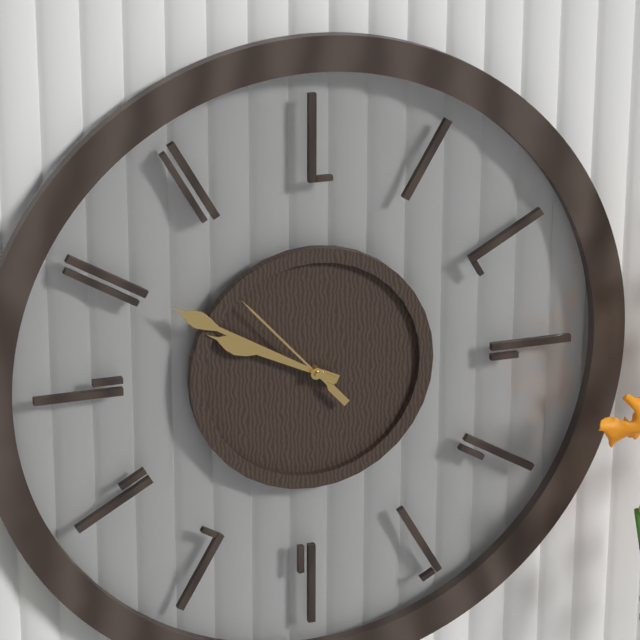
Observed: 9 h 50 min 53 s
